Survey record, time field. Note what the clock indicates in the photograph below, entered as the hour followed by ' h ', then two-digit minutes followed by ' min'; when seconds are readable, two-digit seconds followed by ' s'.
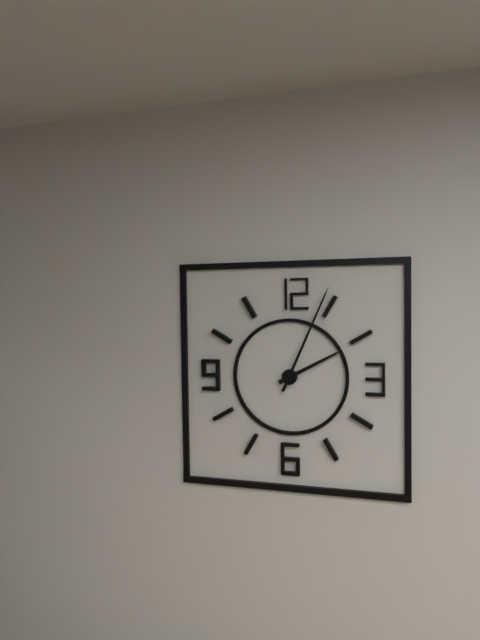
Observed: 2 h 04 min
